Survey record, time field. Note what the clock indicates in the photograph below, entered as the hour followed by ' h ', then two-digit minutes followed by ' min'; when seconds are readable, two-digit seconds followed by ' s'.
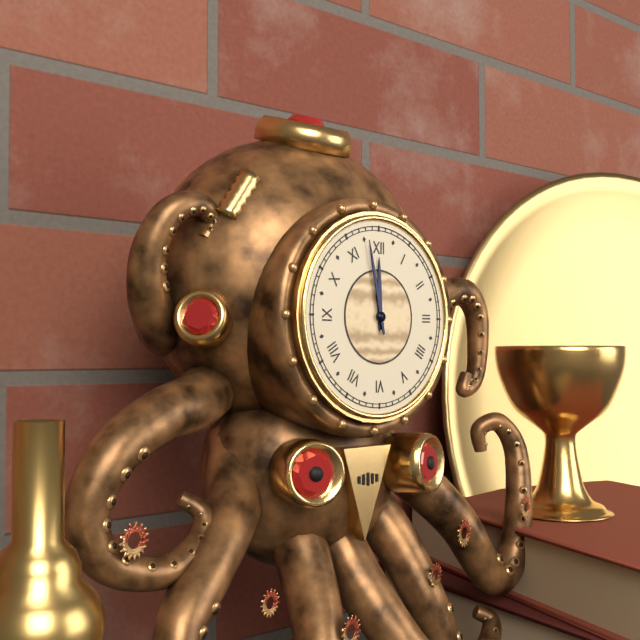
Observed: 11 h 58 min
